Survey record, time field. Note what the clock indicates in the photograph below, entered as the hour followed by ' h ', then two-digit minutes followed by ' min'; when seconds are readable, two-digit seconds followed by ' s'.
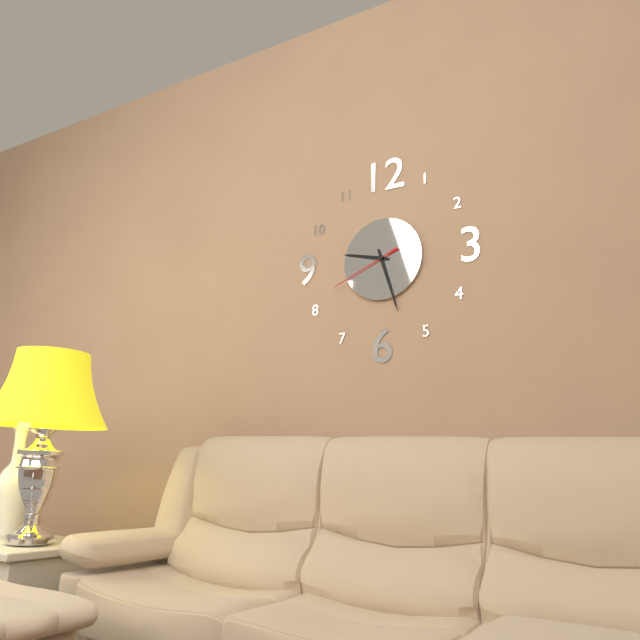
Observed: 9 h 27 min 41 s
